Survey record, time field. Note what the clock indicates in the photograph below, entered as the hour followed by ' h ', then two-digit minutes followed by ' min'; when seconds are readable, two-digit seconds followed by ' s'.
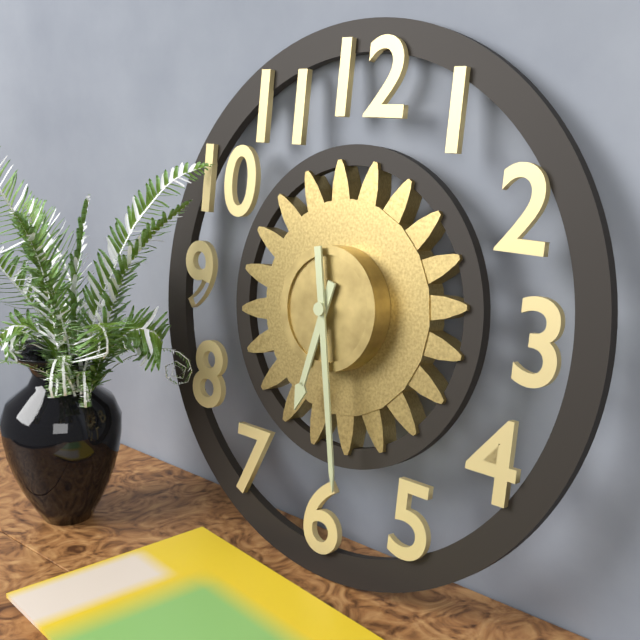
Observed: 6 h 28 min
